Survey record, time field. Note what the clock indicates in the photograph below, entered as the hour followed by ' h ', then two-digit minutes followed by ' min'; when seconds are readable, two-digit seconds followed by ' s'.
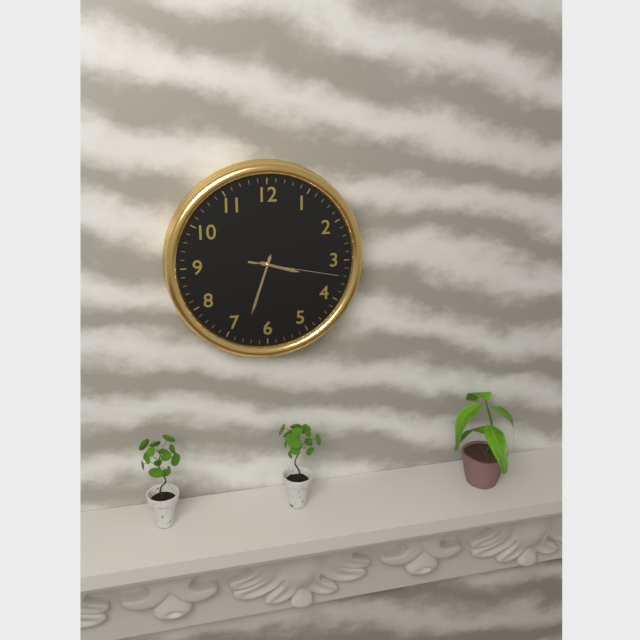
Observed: 3 h 33 min 17 s
